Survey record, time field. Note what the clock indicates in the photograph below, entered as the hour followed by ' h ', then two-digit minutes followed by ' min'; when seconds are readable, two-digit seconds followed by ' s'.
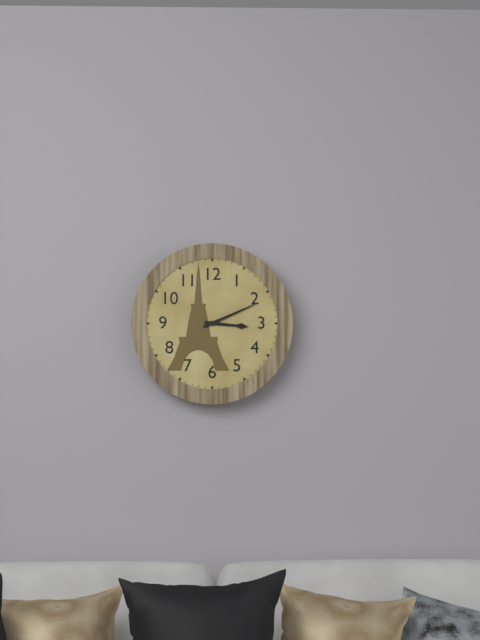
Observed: 3 h 11 min
